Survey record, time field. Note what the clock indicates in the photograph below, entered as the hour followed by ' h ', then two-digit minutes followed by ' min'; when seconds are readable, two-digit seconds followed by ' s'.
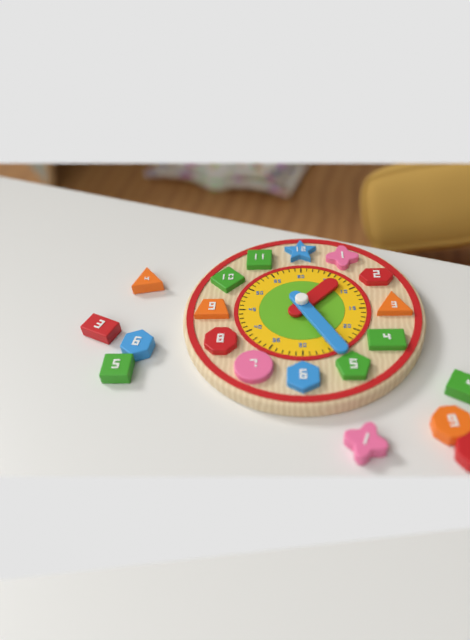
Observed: 1 h 25 min
